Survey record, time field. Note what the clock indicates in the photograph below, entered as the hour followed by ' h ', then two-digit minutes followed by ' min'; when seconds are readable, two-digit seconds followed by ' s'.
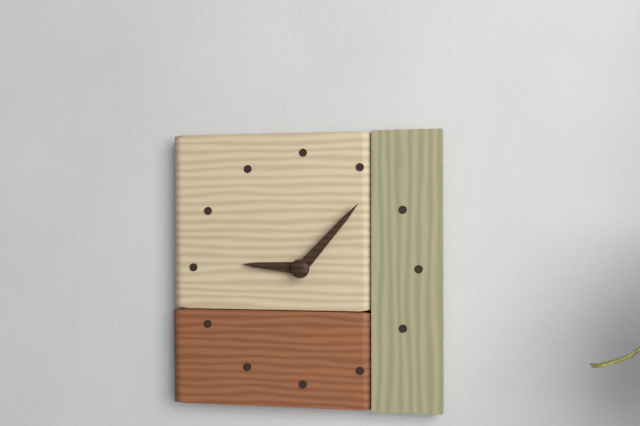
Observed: 9 h 07 min
